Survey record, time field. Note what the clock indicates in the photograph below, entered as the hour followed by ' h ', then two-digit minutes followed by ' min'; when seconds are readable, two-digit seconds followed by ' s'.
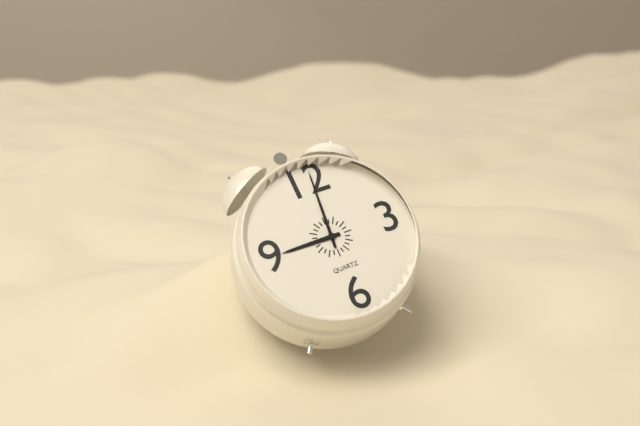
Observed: 9 h 01 min
